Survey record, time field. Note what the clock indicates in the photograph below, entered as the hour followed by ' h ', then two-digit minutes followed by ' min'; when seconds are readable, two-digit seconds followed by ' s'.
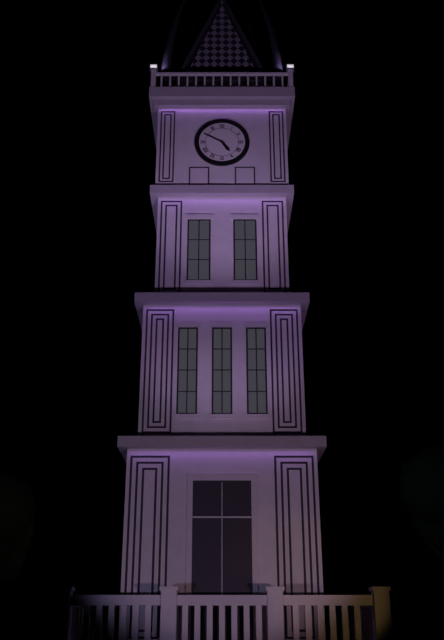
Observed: 4 h 50 min
